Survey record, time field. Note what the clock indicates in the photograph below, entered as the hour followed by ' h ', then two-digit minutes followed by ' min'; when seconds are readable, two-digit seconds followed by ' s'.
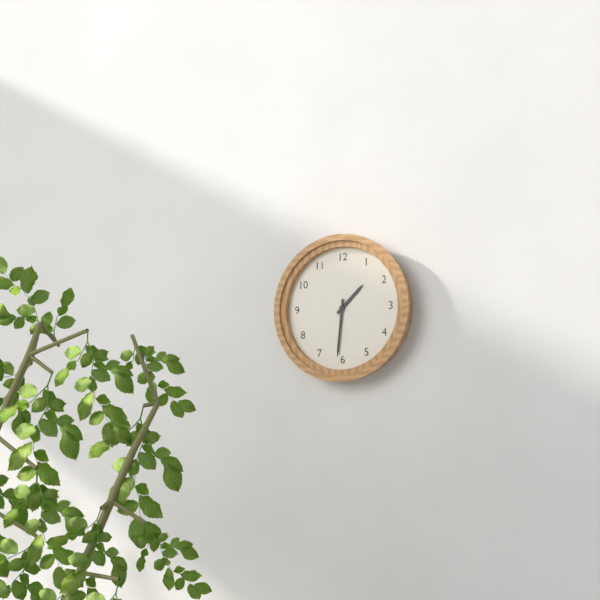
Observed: 1 h 31 min
